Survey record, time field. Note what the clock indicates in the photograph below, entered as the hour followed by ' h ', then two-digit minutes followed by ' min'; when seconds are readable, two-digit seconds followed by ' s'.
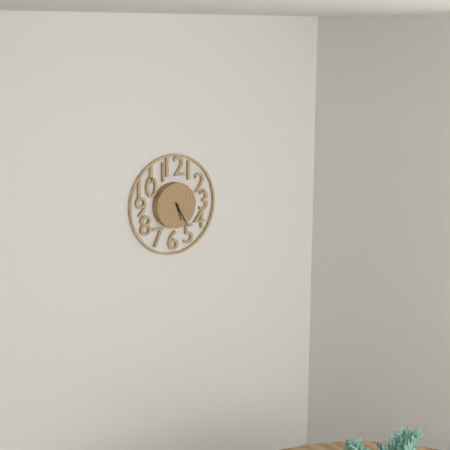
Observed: 5 h 25 min
